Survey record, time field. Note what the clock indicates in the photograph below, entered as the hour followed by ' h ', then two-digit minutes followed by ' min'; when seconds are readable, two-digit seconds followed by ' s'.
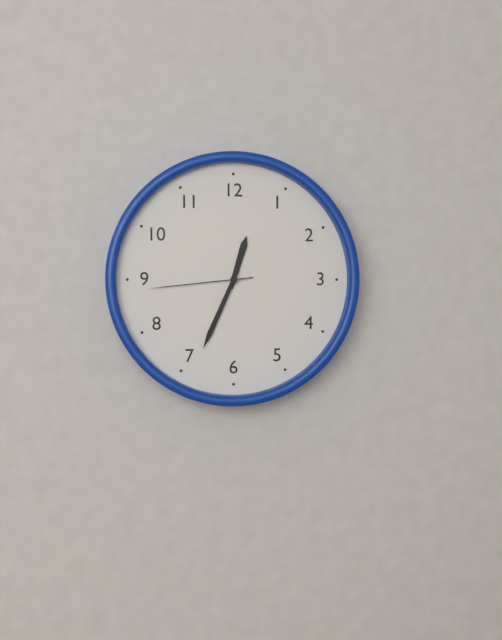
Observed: 12 h 34 min 44 s
